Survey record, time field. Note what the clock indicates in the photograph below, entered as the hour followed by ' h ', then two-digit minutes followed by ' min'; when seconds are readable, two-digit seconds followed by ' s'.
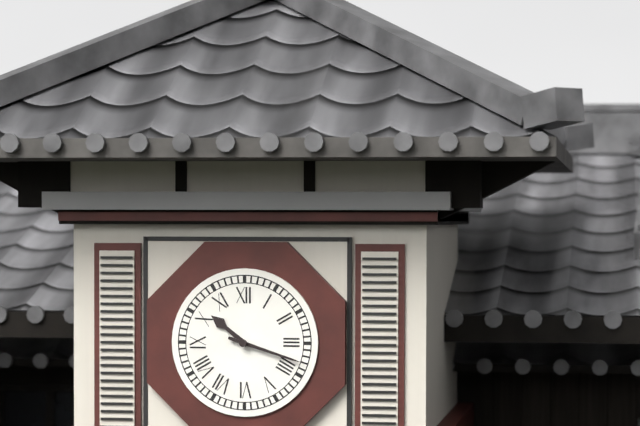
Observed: 10 h 18 min
